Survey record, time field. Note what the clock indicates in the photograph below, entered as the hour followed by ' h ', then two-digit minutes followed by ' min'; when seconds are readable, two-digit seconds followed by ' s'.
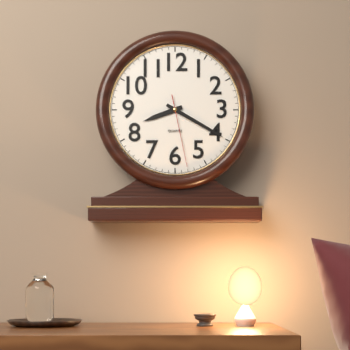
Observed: 8 h 20 min 28 s
